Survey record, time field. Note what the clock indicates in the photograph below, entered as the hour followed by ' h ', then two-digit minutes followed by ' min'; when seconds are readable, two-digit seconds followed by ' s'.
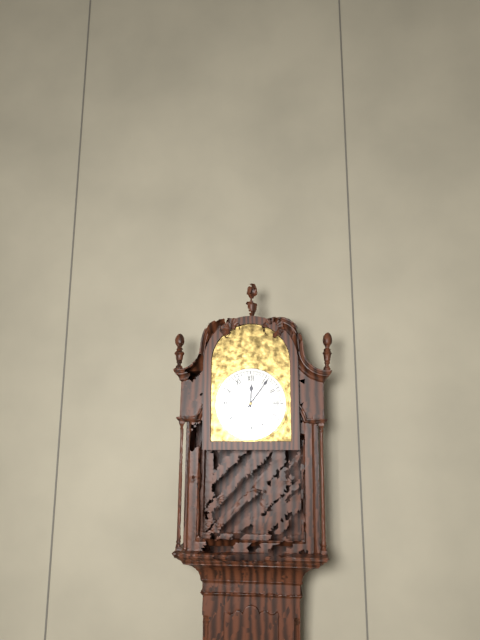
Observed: 12 h 06 min
